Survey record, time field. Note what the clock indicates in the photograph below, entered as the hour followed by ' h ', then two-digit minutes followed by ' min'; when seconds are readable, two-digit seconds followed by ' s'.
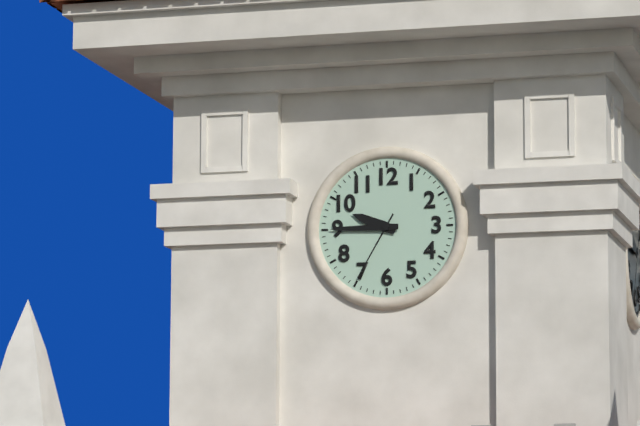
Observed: 9 h 45 min 35 s
